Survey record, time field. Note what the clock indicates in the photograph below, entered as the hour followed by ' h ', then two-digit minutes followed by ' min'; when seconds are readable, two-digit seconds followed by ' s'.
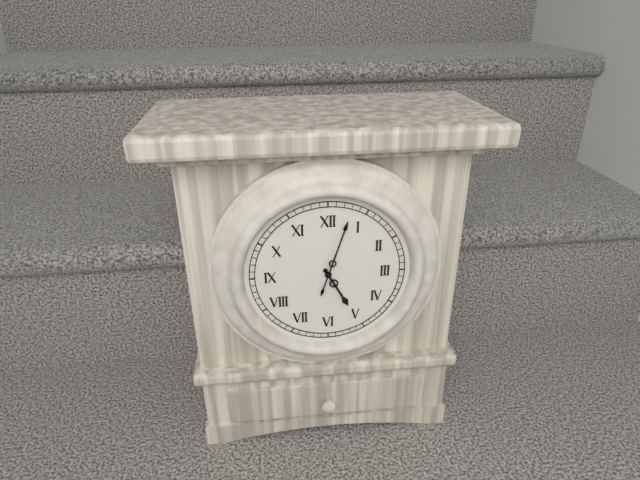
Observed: 5 h 03 min
